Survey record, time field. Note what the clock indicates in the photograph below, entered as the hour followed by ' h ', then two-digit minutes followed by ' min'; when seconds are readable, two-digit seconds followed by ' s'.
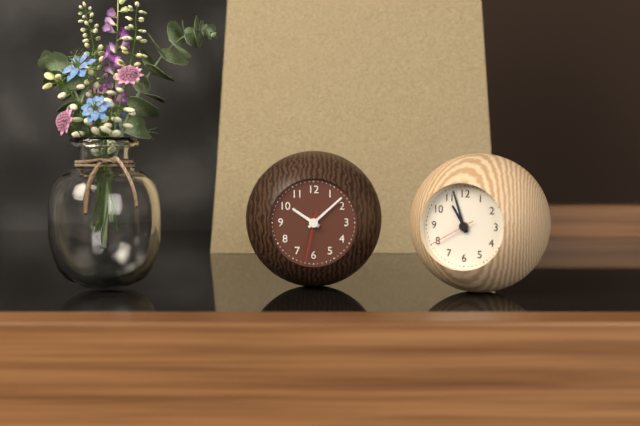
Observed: 10 h 08 min
